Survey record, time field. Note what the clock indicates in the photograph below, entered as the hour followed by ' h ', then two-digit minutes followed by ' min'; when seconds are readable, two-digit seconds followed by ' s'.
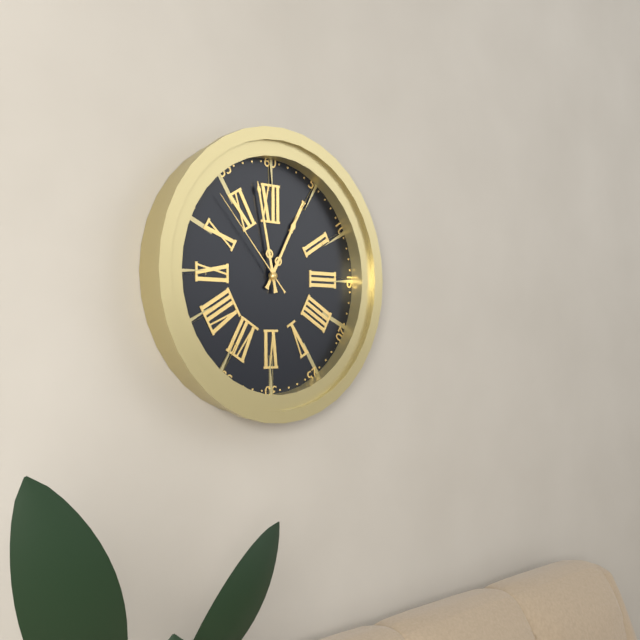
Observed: 12 h 58 min 53 s
